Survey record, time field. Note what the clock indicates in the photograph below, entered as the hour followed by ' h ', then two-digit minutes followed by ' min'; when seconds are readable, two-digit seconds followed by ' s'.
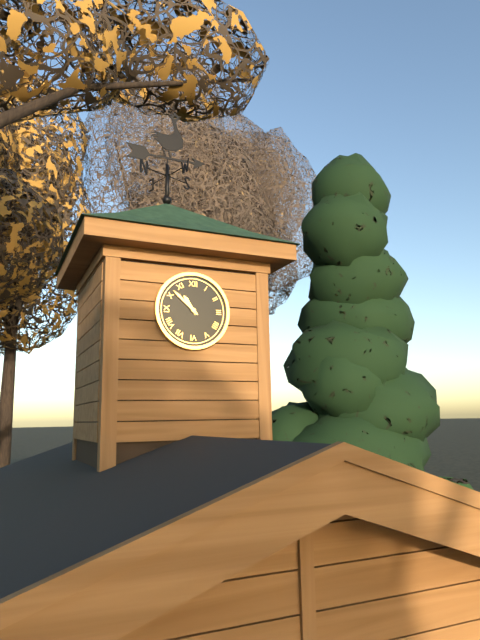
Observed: 10 h 52 min
